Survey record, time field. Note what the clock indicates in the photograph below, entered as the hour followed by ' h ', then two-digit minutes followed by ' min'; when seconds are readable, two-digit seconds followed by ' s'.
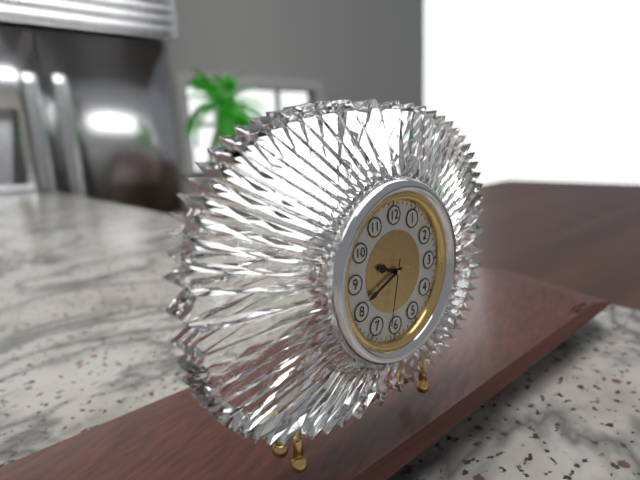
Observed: 9 h 41 min 32 s
